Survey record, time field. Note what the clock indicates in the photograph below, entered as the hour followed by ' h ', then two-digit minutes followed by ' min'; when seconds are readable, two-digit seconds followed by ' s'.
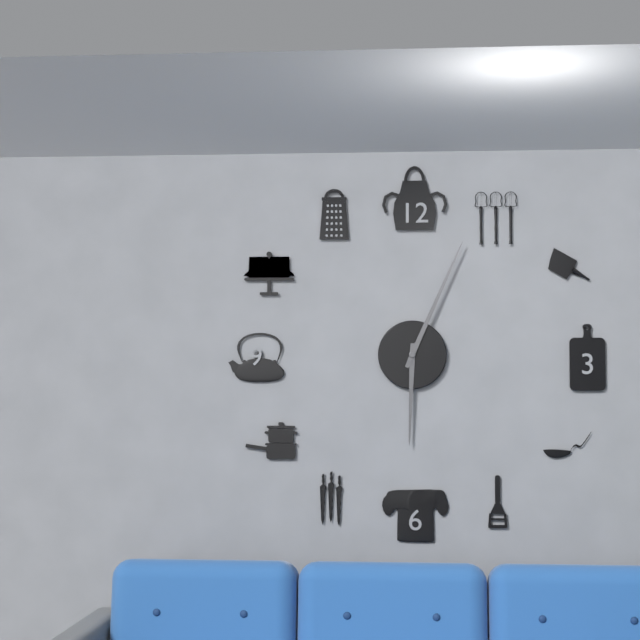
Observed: 6 h 04 min
